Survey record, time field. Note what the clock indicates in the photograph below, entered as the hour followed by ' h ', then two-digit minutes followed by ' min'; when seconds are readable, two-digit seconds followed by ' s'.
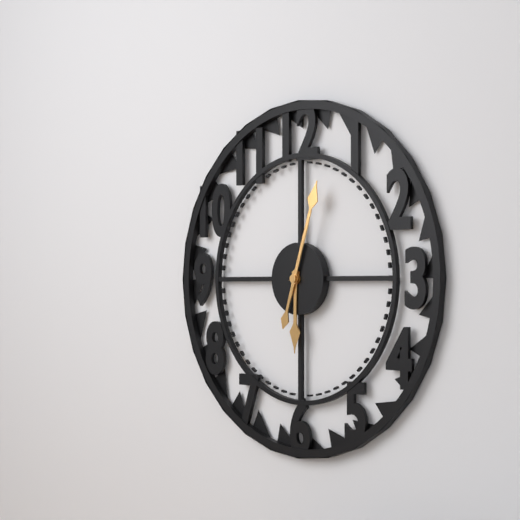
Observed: 6 h 03 min
